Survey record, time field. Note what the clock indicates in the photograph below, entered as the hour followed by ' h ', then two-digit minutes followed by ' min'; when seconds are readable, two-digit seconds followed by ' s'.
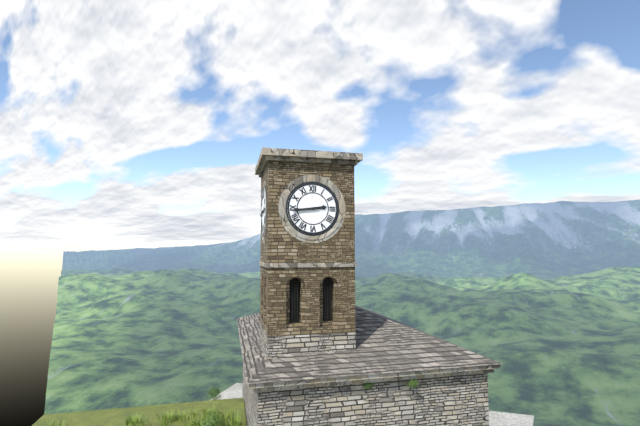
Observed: 2 h 44 min
